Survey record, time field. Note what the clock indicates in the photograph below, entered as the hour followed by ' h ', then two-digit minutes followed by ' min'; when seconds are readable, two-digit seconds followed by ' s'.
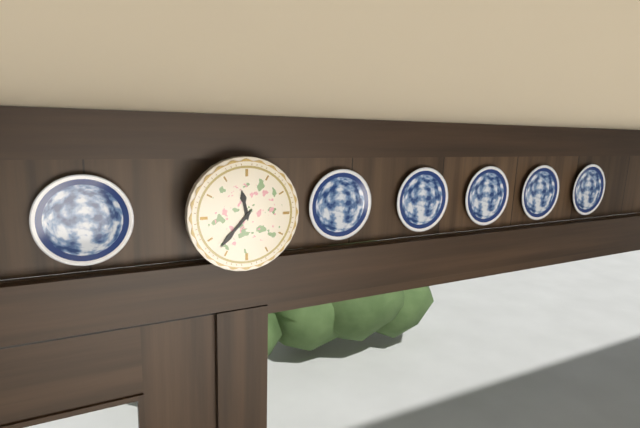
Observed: 11 h 37 min
